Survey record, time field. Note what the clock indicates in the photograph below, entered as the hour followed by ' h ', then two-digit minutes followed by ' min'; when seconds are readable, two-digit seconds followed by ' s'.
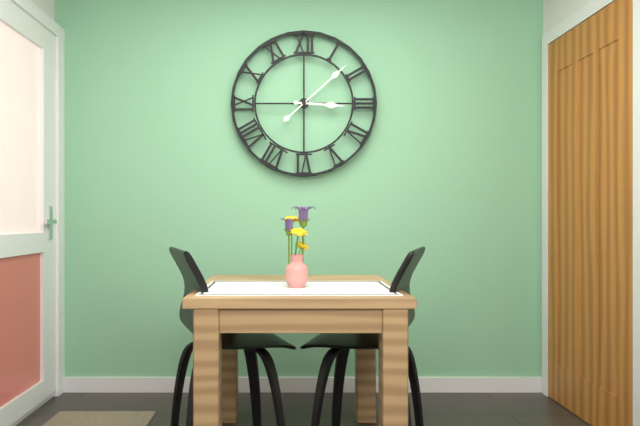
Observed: 3 h 08 min
